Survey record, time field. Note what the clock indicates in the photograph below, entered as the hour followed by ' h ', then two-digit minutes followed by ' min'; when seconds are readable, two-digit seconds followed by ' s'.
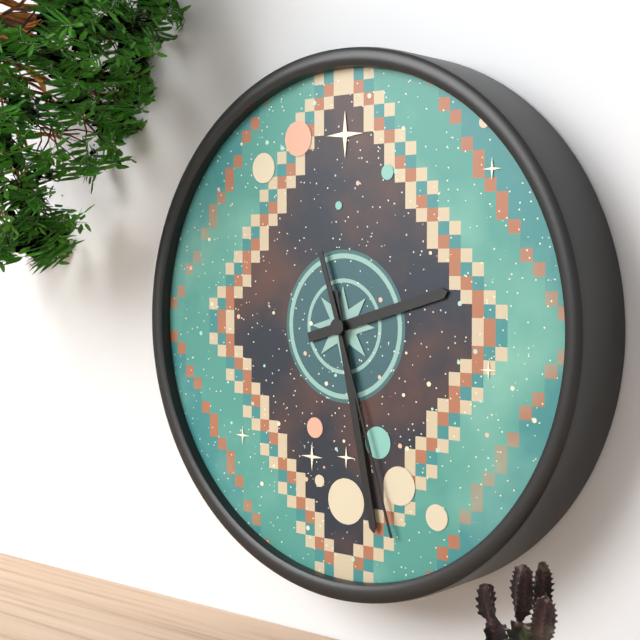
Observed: 2 h 28 min 27 s
